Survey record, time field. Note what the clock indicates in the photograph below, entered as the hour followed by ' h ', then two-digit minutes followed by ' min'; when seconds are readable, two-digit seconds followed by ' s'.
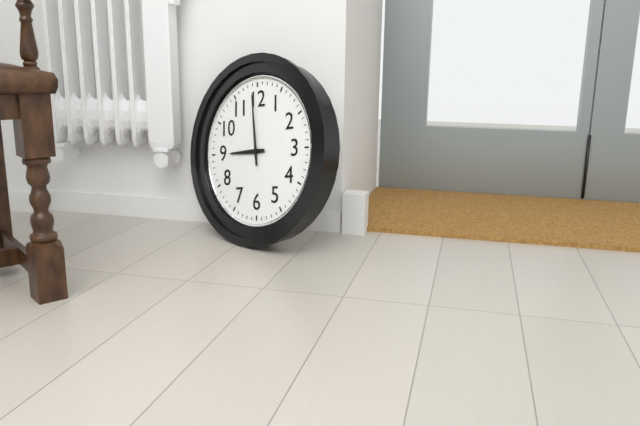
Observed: 8 h 59 min
